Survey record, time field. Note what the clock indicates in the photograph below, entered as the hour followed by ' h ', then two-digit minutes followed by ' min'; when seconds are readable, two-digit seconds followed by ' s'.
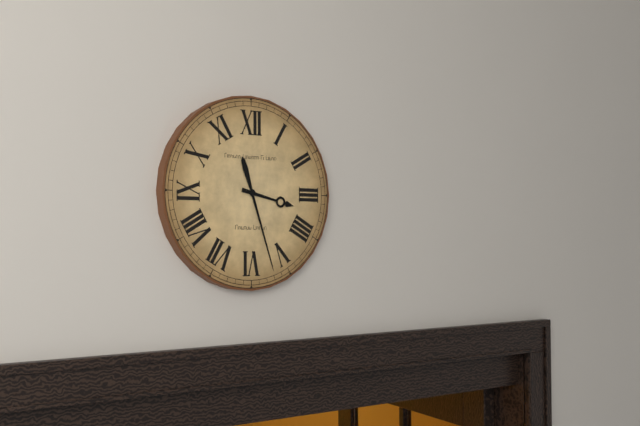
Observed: 3 h 27 min
